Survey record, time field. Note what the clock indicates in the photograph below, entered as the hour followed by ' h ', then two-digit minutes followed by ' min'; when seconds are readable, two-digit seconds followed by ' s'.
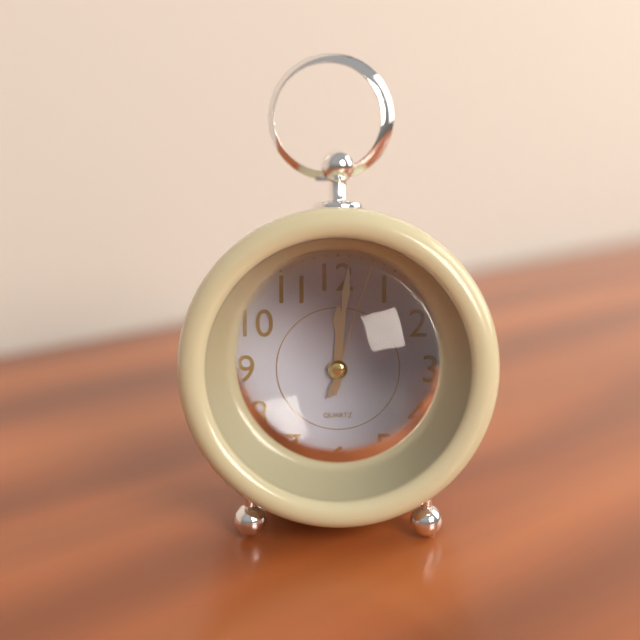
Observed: 12 h 01 min 03 s
